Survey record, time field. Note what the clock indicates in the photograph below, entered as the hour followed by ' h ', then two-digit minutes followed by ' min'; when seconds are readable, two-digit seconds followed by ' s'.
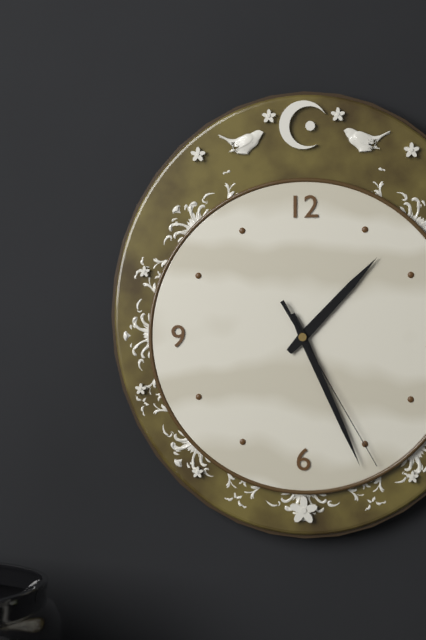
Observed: 1 h 26 min 25 s
